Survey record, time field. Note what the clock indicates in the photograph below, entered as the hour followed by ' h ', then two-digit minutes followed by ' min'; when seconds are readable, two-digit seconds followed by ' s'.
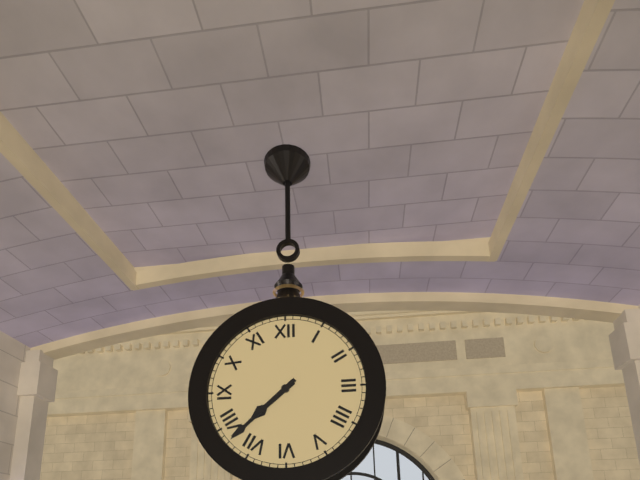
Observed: 7 h 38 min
